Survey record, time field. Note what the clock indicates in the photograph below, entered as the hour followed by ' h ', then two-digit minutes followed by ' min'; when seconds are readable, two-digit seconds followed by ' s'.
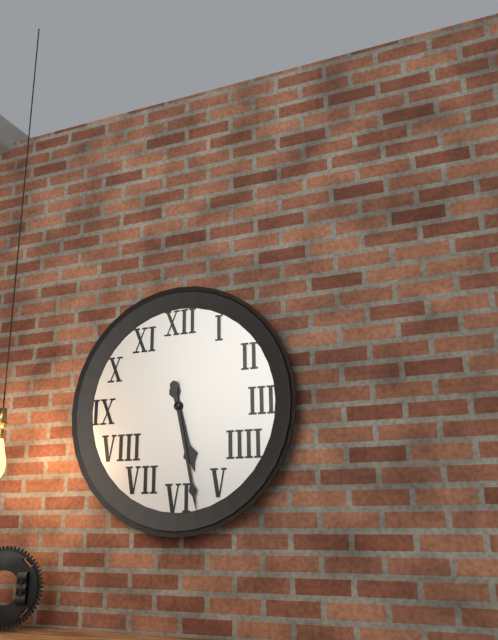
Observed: 5 h 28 min
